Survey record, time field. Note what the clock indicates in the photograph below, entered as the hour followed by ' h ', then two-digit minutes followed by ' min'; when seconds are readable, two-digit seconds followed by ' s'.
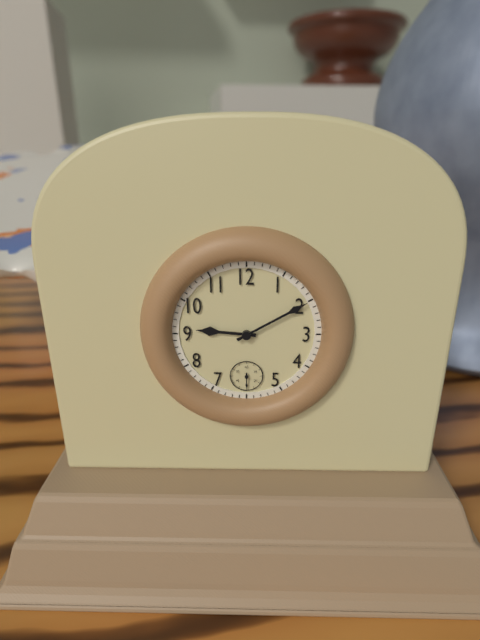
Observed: 9 h 10 min
